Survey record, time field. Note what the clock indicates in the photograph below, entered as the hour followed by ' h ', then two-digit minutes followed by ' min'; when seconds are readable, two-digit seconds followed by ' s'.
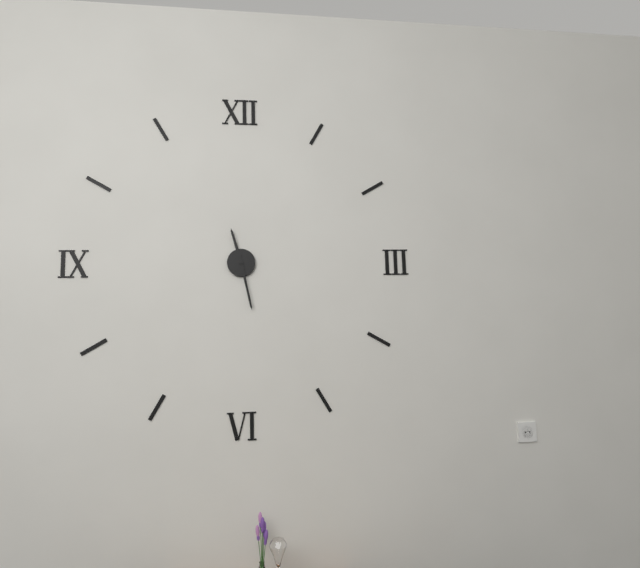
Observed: 11 h 28 min
